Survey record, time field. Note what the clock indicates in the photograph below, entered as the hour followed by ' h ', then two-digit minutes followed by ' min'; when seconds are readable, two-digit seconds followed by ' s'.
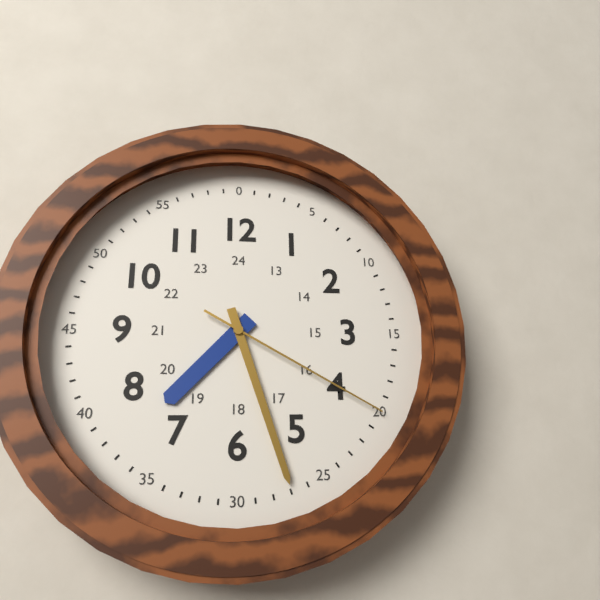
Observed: 7 h 27 min 20 s
